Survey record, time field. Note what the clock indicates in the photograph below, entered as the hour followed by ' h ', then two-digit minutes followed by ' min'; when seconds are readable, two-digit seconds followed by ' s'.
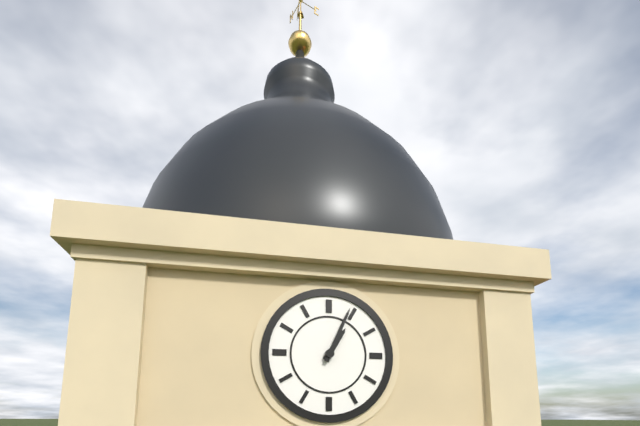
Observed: 1 h 04 min
